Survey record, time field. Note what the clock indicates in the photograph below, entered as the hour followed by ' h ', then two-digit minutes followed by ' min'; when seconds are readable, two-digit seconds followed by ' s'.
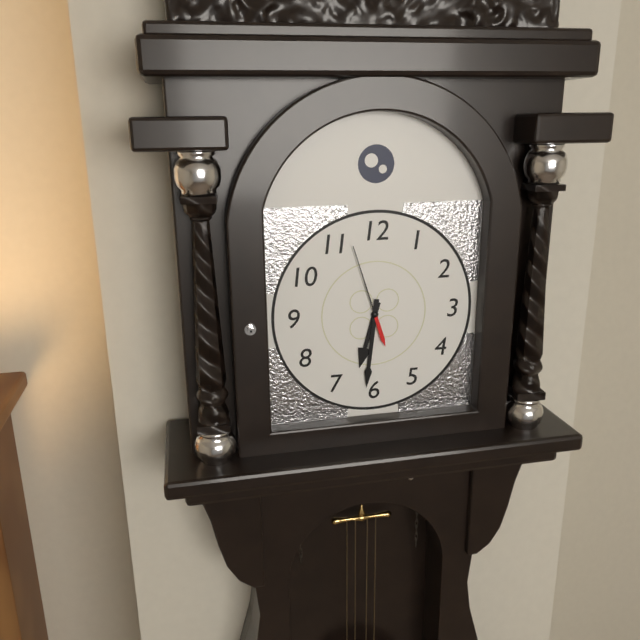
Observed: 6 h 31 min 57 s
